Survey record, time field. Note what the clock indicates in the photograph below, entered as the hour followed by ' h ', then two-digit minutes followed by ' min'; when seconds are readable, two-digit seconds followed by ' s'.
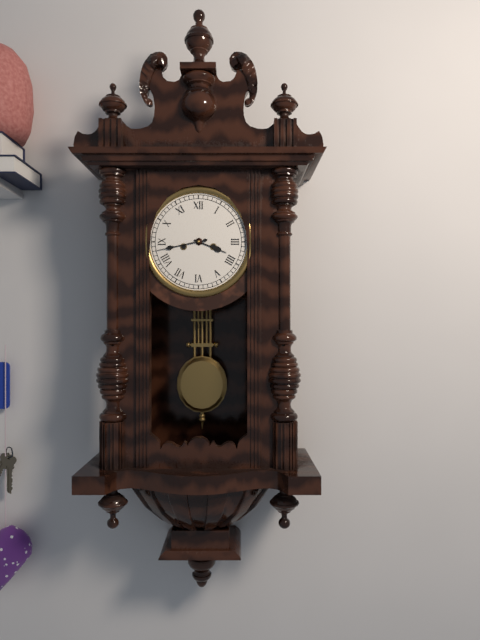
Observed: 3 h 43 min
